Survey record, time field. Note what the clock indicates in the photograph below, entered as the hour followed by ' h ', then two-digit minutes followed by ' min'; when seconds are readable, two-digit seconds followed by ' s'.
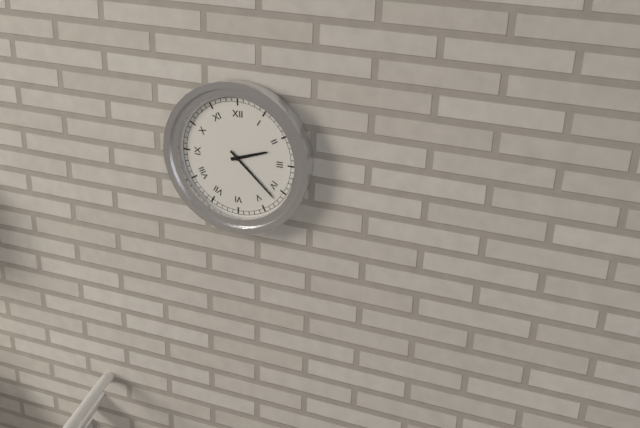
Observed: 2 h 22 min
